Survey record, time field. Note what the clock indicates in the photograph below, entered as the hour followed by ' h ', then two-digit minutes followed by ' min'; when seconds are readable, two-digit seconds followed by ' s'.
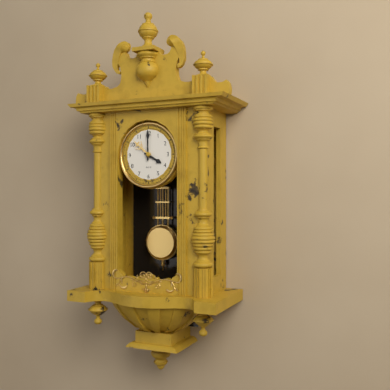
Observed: 4 h 00 min
